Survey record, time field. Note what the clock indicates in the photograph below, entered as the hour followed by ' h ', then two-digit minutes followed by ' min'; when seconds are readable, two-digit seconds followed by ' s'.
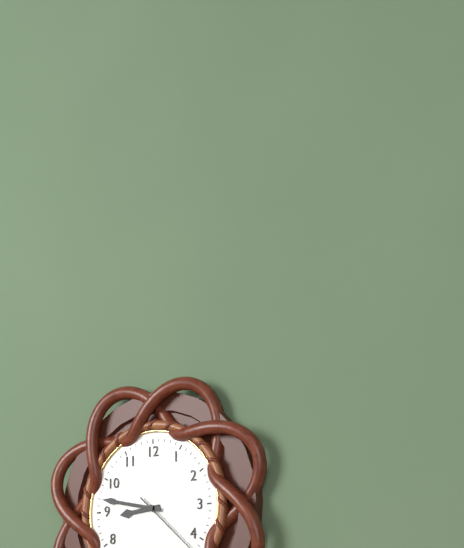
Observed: 8 h 47 min
